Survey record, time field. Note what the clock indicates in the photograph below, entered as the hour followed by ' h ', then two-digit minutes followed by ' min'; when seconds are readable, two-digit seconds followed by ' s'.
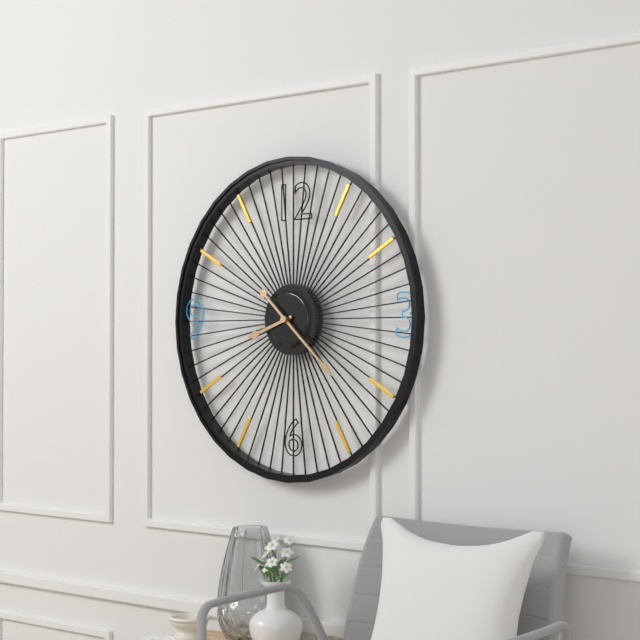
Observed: 8 h 22 min
